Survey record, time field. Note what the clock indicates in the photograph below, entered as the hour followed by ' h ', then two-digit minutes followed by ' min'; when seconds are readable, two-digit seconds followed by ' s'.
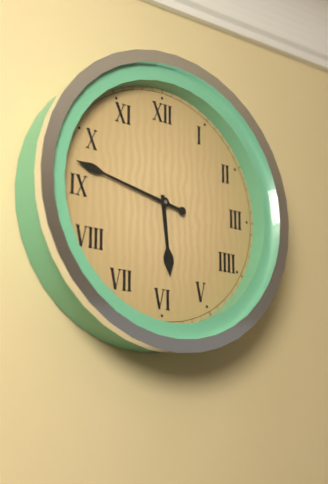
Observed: 5 h 47 min
